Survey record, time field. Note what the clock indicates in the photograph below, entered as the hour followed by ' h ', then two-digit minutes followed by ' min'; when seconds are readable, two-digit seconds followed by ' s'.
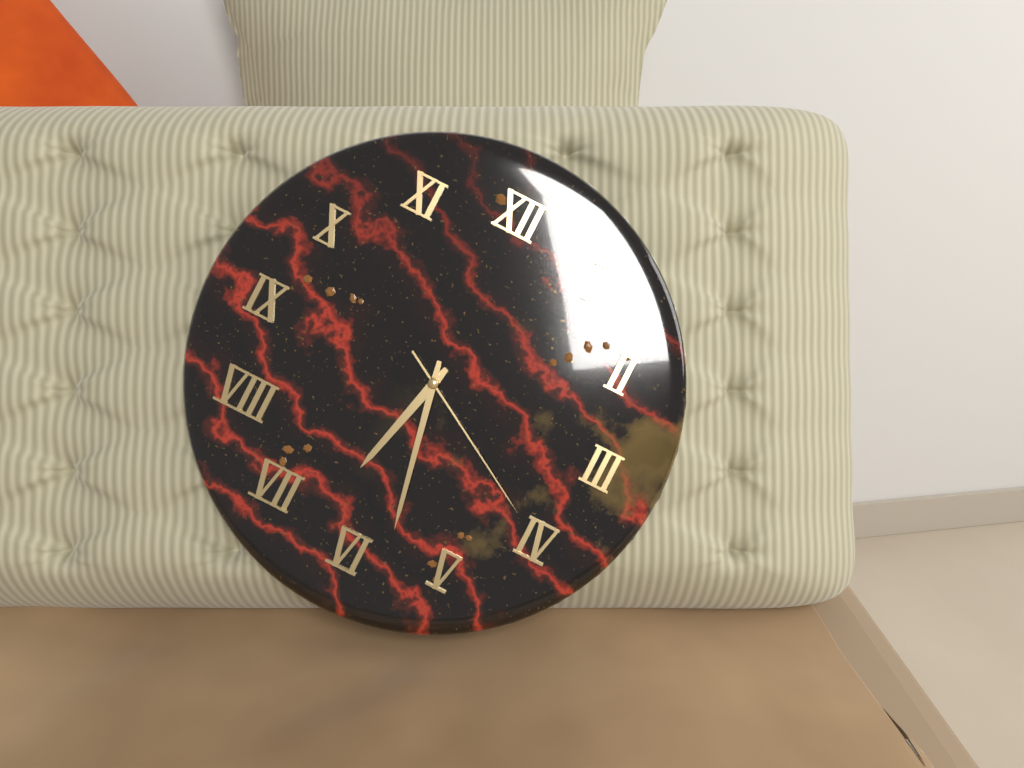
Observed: 6 h 28 min 20 s
